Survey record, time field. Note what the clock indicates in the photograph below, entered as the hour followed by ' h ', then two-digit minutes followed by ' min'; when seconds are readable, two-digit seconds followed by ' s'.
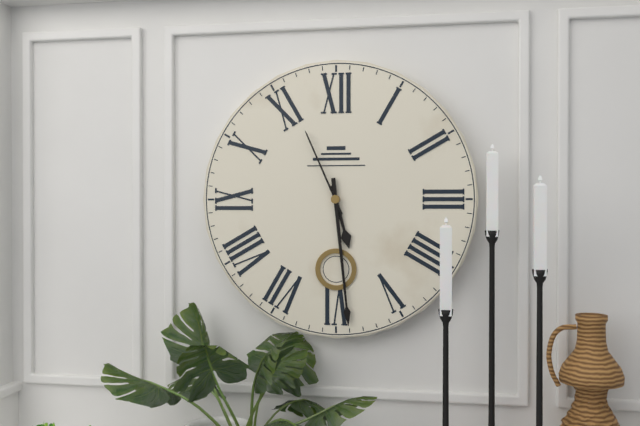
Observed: 5 h 29 min 56 s
